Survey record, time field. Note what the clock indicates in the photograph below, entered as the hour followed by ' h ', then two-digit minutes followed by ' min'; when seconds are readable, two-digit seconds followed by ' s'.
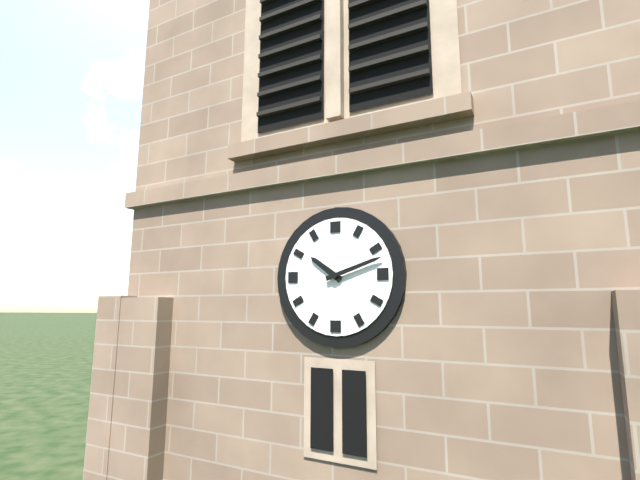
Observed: 10 h 12 min
